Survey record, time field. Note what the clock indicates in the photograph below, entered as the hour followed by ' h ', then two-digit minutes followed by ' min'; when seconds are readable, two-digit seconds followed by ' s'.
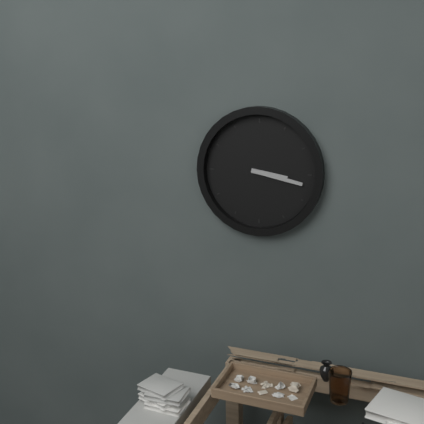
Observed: 3 h 17 min
